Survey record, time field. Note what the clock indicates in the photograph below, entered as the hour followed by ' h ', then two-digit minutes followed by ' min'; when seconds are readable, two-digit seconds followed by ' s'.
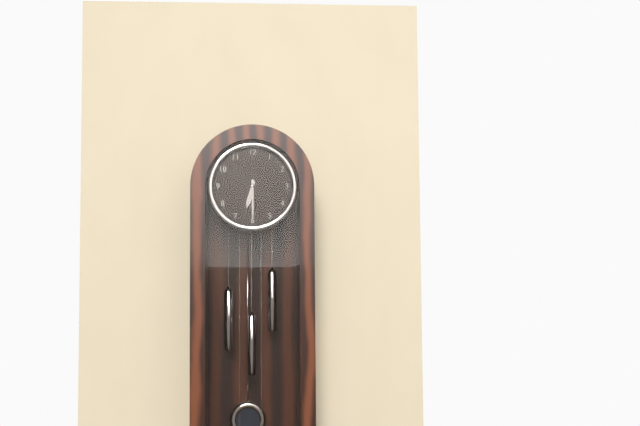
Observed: 6 h 30 min
